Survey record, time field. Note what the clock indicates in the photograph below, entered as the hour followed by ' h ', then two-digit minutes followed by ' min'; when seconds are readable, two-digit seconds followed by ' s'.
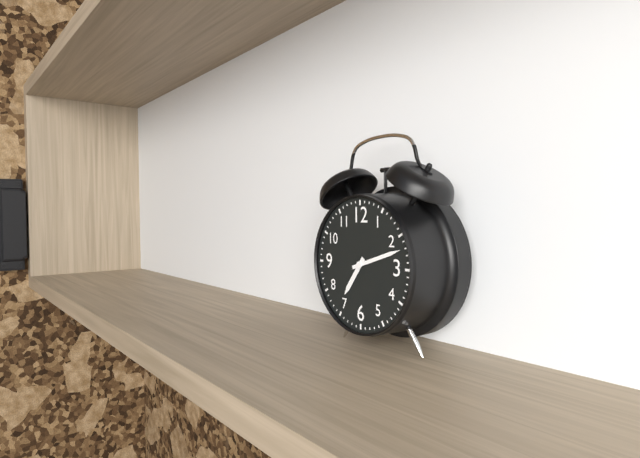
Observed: 7 h 12 min
